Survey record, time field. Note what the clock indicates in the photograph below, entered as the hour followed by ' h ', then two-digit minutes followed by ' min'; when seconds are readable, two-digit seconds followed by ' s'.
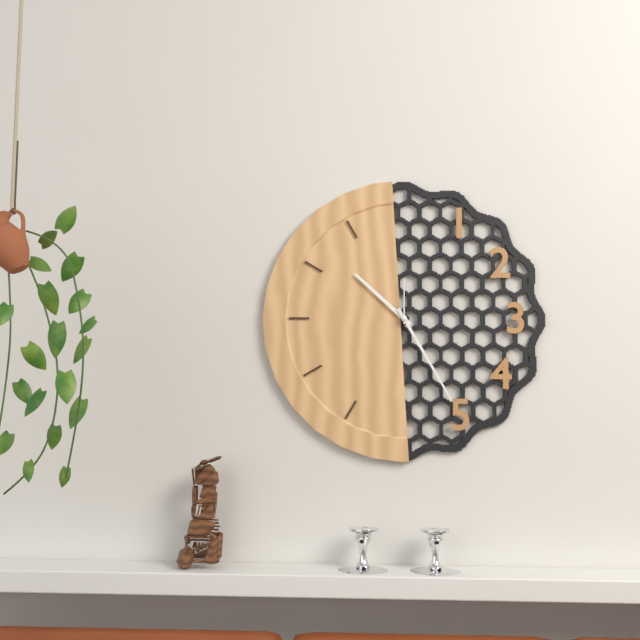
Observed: 10 h 25 min 00 s
